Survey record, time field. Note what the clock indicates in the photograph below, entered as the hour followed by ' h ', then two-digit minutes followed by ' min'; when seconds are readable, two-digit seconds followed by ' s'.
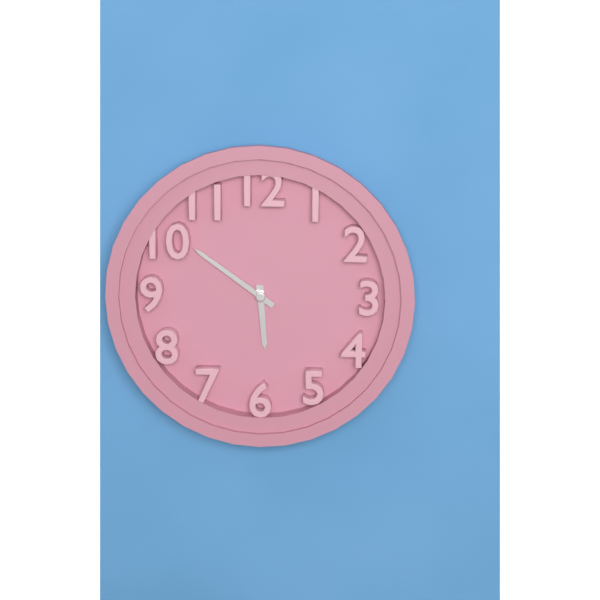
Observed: 5 h 51 min
